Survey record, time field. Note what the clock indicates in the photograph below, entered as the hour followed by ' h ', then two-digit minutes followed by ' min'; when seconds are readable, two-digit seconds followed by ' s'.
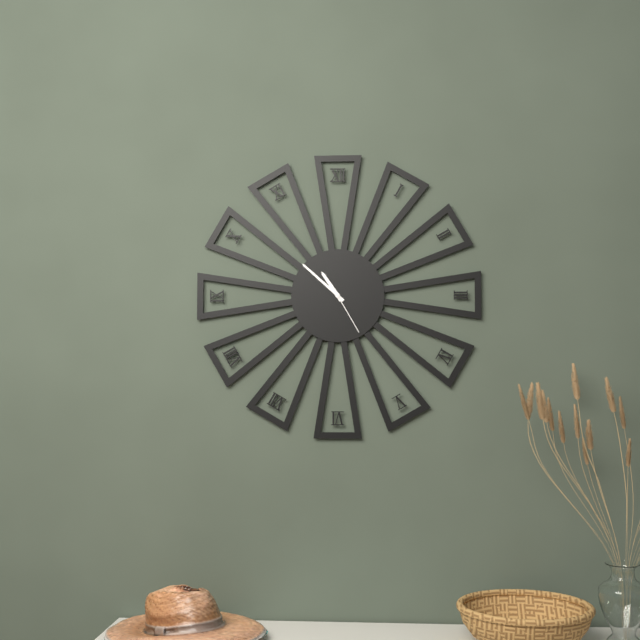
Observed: 10 h 52 min 25 s
